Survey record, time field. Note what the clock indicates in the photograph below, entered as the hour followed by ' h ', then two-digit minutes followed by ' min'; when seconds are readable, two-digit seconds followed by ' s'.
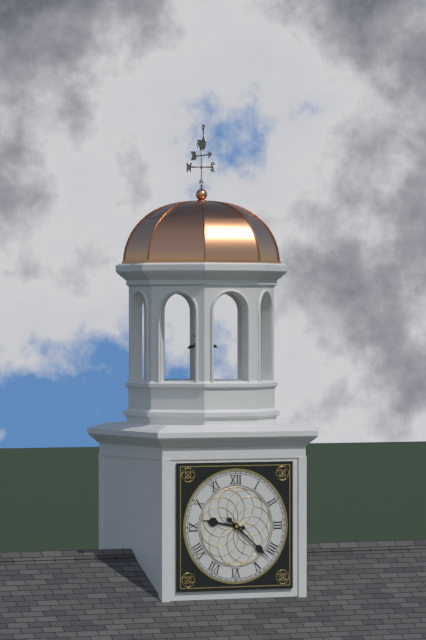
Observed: 9 h 22 min
